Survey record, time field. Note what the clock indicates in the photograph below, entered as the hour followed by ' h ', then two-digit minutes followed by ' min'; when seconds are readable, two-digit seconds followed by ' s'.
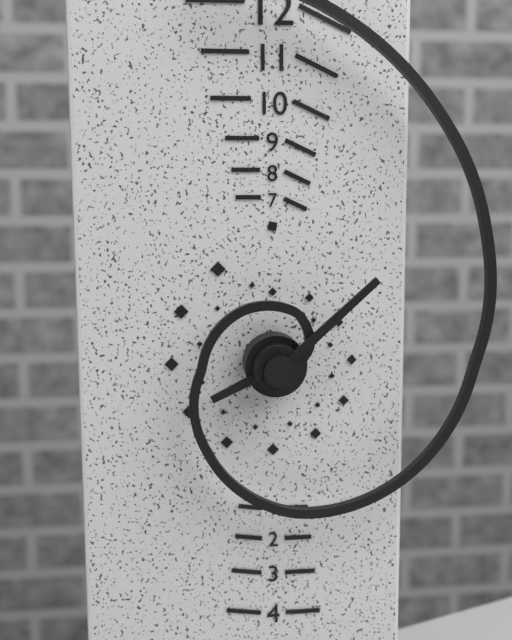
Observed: 8 h 08 min
